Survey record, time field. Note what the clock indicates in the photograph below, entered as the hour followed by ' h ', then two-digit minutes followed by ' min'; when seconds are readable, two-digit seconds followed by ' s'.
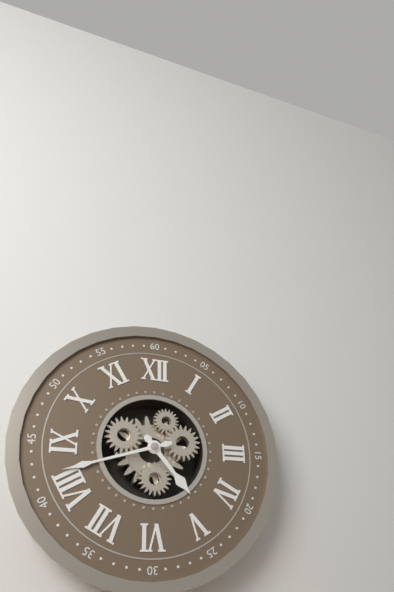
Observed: 4 h 42 min
